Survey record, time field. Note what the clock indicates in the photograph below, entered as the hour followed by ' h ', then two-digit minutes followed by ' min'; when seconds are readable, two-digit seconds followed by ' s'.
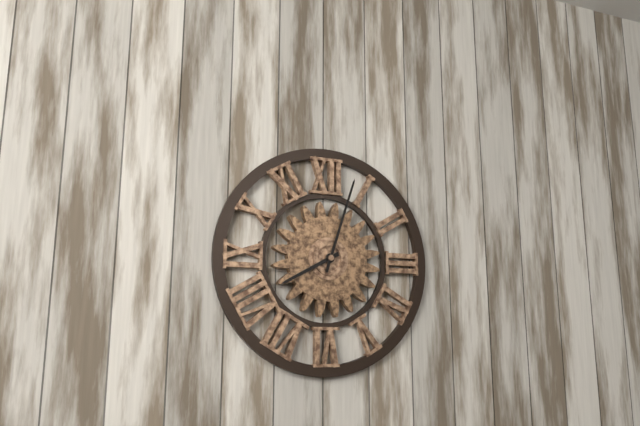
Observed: 8 h 03 min
